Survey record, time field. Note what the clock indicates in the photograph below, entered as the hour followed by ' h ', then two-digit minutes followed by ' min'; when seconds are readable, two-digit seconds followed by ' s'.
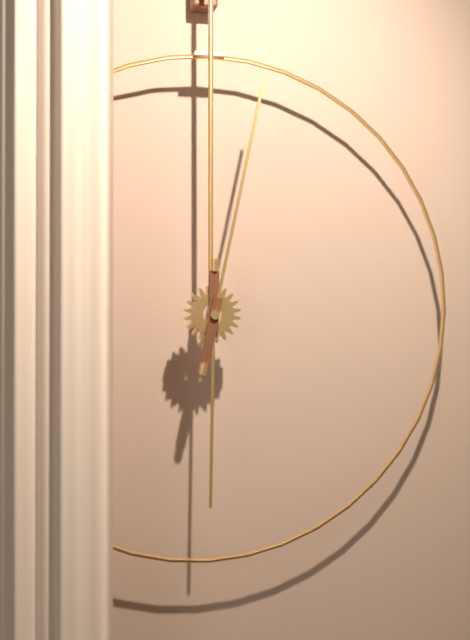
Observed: 6 h 02 min
